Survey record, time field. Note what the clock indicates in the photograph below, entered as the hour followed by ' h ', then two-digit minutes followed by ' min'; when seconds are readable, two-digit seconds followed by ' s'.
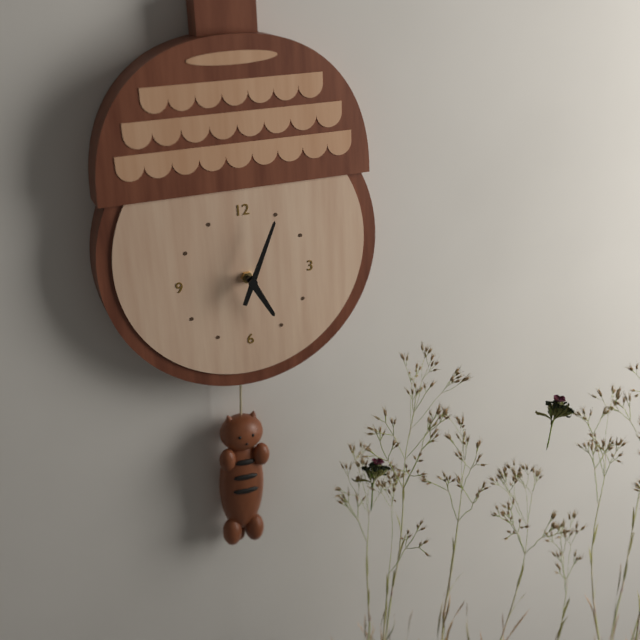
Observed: 5 h 04 min
